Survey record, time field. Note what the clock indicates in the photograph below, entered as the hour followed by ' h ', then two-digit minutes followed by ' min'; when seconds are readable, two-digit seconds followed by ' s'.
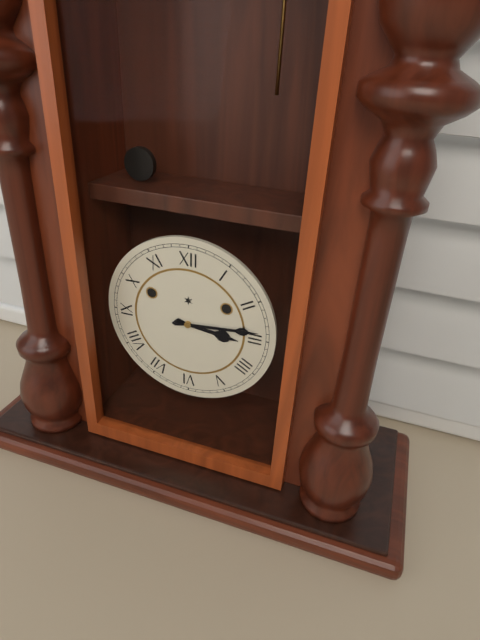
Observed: 3 h 14 min
